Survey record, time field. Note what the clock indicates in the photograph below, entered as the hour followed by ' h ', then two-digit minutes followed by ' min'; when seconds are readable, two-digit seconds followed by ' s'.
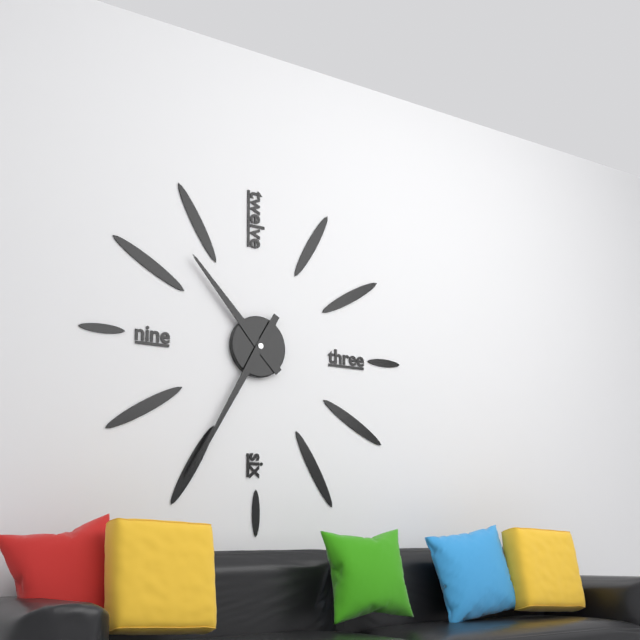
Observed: 10 h 35 min
